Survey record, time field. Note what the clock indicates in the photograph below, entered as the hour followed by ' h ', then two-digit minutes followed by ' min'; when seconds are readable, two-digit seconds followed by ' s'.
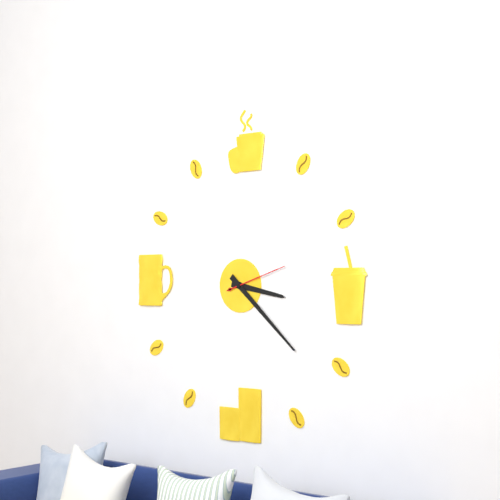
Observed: 3 h 22 min 12 s
